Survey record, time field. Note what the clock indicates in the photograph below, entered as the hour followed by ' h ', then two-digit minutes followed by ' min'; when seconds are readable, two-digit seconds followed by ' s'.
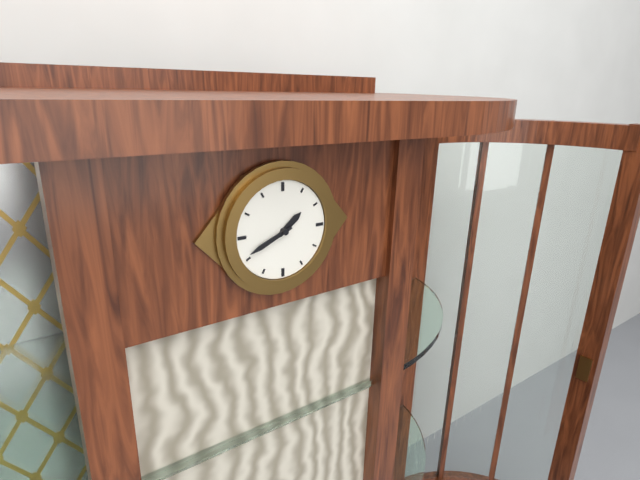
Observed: 1 h 41 min
